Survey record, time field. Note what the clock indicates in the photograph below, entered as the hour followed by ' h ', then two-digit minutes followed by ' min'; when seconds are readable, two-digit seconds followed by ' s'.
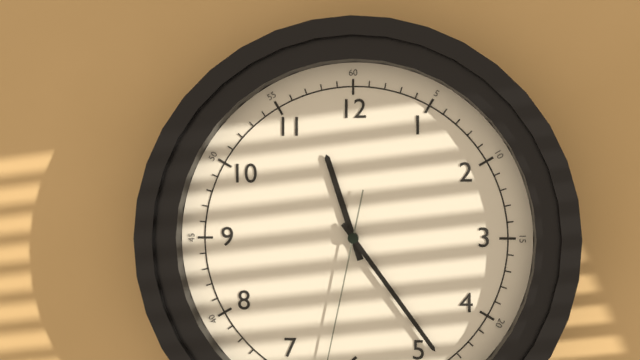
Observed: 11 h 24 min
